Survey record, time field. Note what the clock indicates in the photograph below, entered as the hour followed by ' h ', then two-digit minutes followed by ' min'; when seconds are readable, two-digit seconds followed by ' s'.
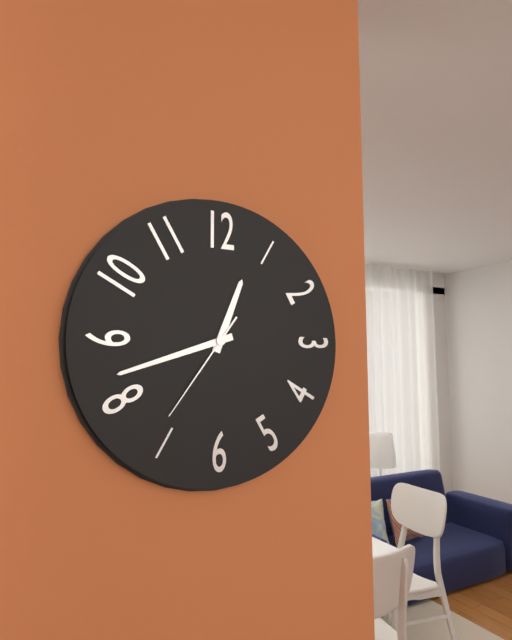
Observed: 12 h 42 min 36 s
